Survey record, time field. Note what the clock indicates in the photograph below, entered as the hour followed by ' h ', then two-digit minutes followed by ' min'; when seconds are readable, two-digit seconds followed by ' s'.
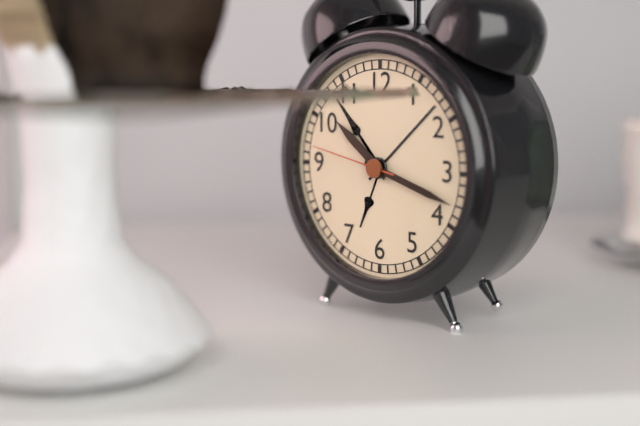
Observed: 10 h 18 min 47 s
